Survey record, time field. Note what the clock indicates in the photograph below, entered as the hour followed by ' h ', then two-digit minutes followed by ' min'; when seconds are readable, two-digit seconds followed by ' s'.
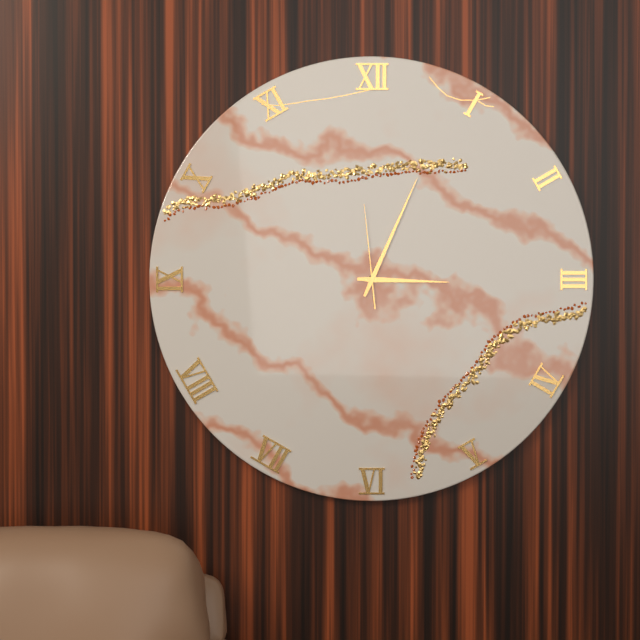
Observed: 3 h 04 min 59 s
